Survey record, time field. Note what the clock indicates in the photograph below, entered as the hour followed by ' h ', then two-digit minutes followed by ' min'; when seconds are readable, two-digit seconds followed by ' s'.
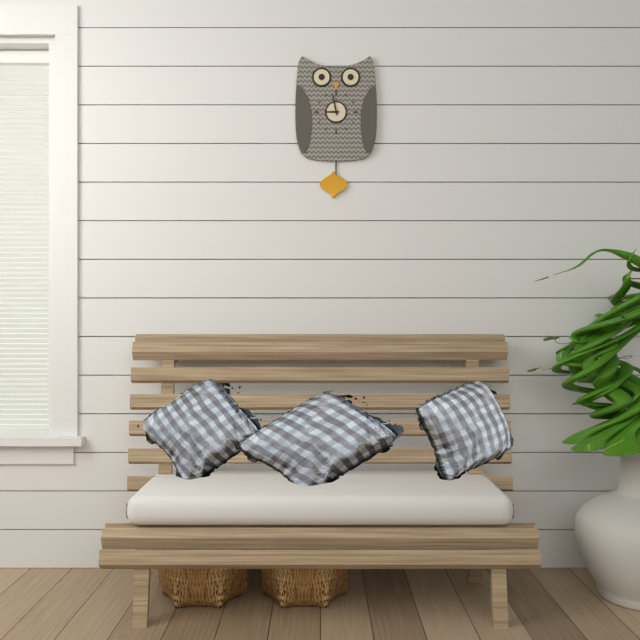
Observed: 8 h 58 min
